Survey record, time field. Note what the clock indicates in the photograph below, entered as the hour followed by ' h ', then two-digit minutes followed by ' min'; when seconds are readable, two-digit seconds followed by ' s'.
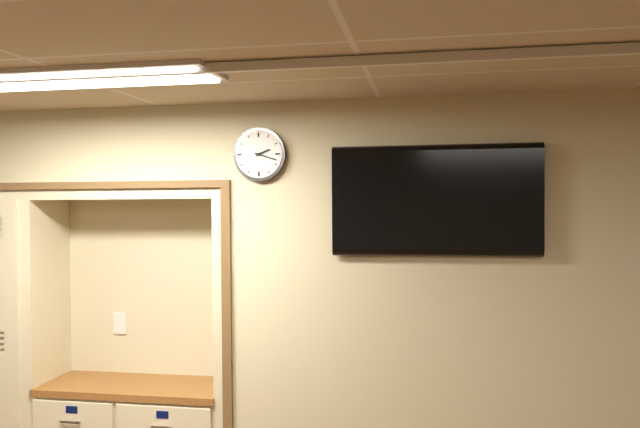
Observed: 2 h 18 min
